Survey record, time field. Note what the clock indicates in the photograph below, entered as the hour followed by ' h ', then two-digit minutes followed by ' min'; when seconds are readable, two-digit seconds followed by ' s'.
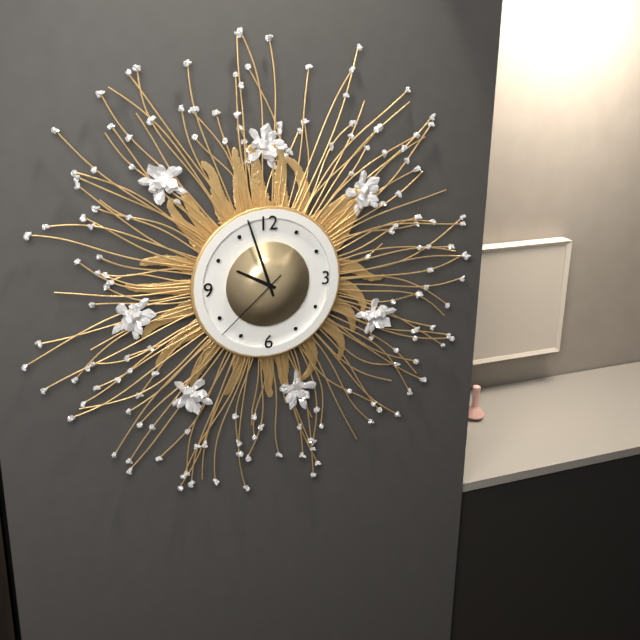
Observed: 9 h 57 min 38 s
